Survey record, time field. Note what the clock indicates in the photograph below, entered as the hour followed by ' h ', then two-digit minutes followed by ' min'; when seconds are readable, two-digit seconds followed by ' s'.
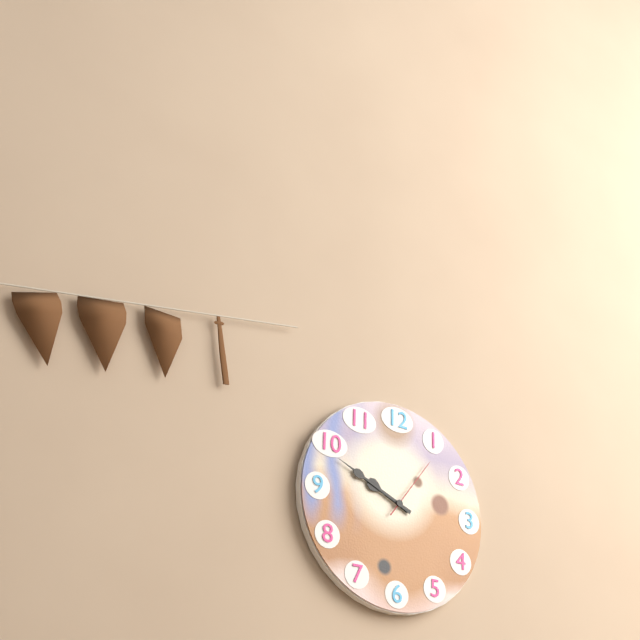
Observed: 9 h 49 min 06 s
